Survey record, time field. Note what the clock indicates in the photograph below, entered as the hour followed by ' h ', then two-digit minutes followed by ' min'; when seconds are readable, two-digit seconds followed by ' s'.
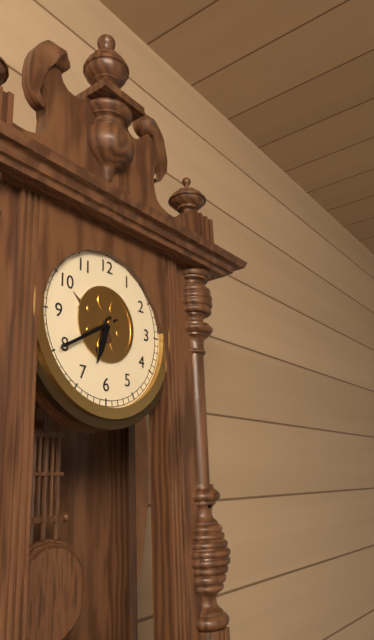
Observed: 6 h 40 min
